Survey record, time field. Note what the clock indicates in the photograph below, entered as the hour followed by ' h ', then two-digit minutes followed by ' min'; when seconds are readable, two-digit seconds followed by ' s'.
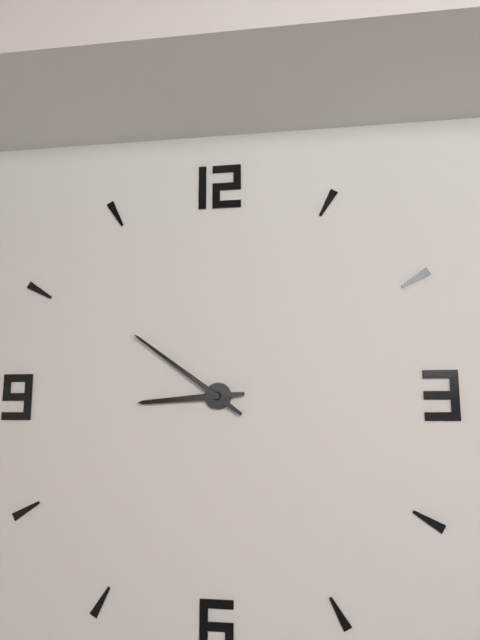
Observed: 8 h 51 min
